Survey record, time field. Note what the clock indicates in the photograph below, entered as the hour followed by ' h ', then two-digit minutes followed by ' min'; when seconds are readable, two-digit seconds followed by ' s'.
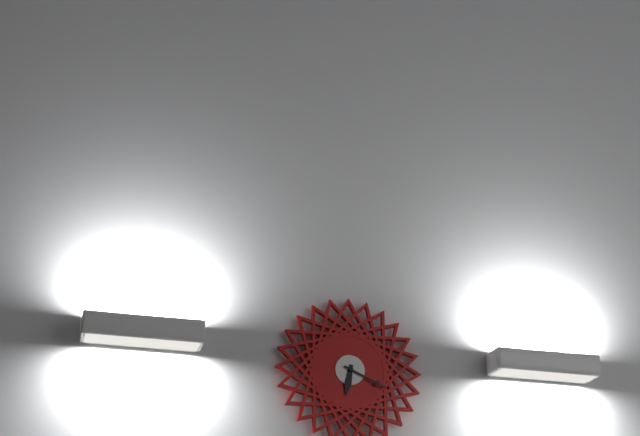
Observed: 6 h 19 min
